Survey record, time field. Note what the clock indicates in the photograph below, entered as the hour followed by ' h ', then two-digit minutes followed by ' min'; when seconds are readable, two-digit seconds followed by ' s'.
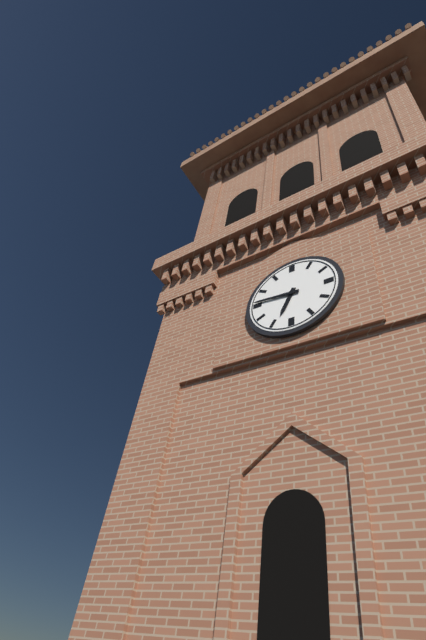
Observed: 6 h 46 min
